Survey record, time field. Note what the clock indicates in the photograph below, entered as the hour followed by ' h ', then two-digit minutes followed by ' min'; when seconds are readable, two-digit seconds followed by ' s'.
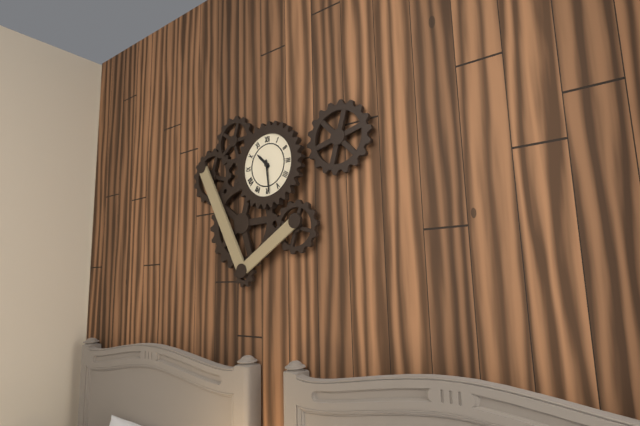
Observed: 10 h 29 min
